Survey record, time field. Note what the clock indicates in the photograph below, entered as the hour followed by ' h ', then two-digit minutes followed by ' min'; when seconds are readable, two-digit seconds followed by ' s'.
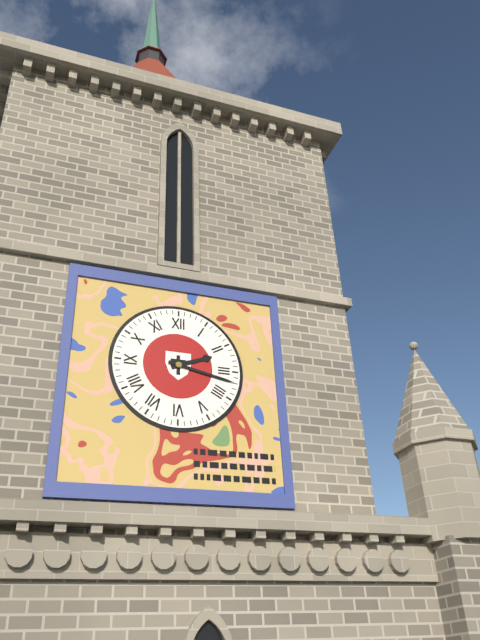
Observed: 2 h 17 min
